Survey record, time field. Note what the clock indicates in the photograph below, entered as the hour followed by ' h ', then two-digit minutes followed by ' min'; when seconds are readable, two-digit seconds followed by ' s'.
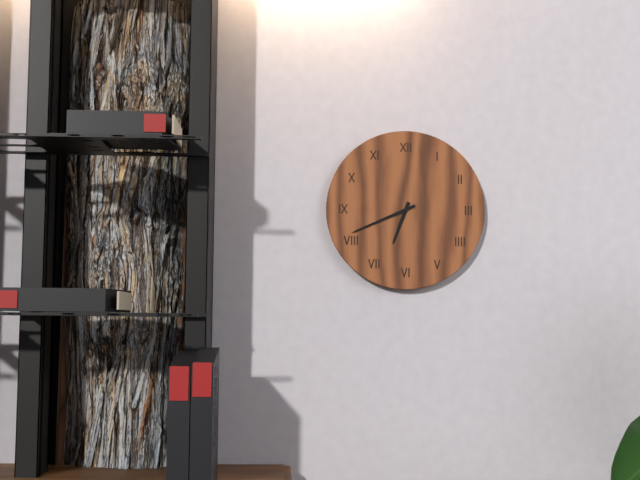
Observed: 6 h 41 min
